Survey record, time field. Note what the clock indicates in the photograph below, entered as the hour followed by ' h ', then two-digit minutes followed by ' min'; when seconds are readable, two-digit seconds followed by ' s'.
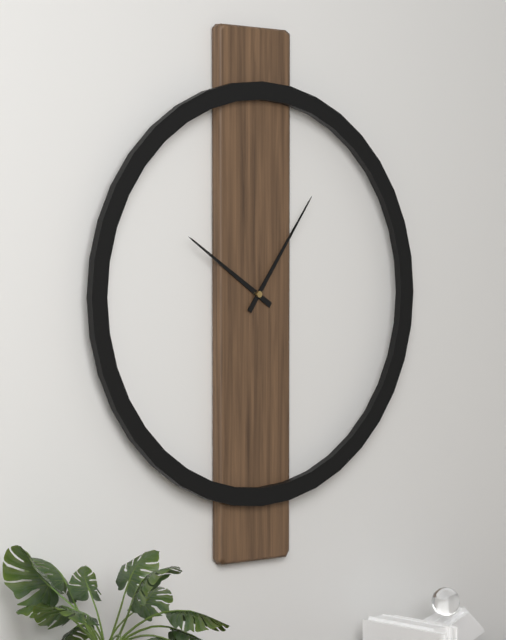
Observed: 10 h 06 min
